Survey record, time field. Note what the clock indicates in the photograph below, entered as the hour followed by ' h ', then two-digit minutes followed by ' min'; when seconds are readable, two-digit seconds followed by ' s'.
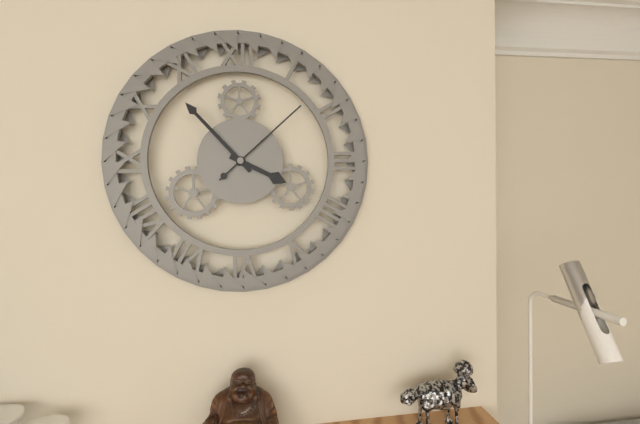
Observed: 3 h 53 min 08 s
